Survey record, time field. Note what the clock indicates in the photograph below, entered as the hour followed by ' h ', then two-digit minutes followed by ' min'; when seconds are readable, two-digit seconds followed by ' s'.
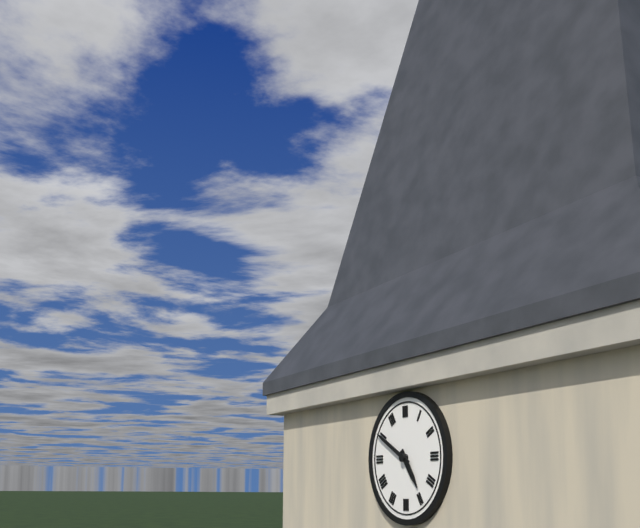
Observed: 4 h 50 min
